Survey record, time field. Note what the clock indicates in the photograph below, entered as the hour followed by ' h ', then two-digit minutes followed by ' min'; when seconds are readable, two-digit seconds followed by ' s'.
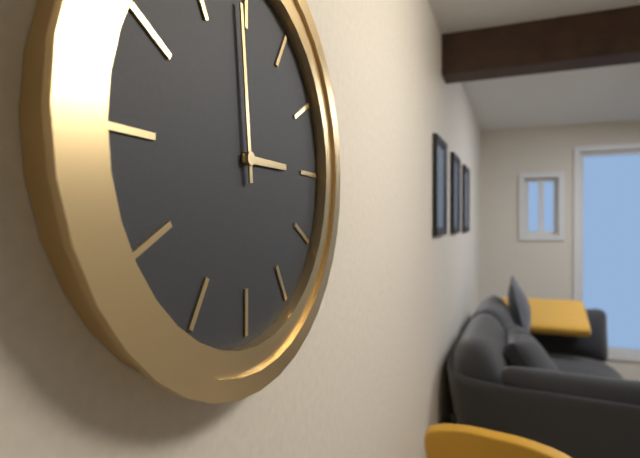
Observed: 2 h 59 min
